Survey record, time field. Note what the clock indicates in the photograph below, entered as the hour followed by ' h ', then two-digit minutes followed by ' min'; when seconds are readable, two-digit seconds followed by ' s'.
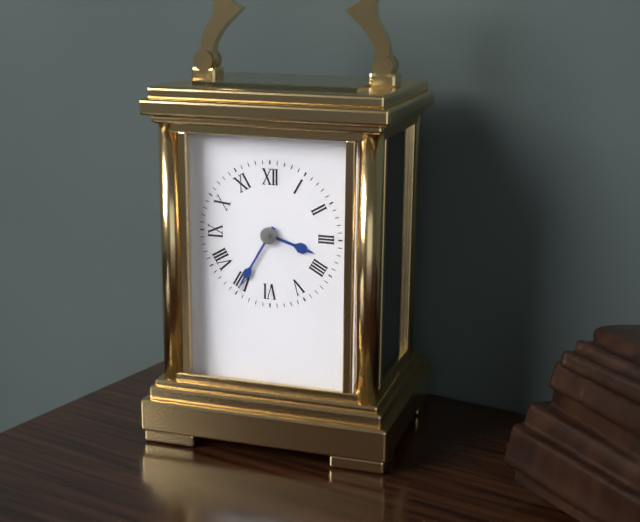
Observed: 3 h 35 min
